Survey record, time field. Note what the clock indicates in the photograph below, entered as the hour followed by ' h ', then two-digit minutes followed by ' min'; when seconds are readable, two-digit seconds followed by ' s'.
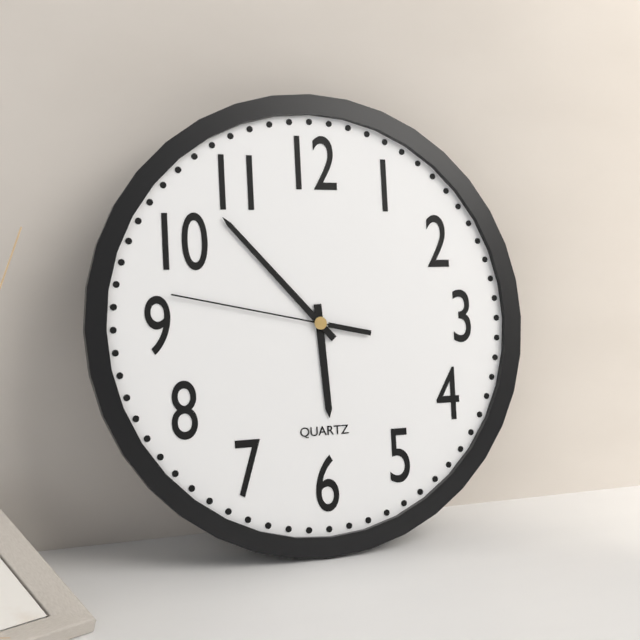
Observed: 5 h 53 min 47 s
